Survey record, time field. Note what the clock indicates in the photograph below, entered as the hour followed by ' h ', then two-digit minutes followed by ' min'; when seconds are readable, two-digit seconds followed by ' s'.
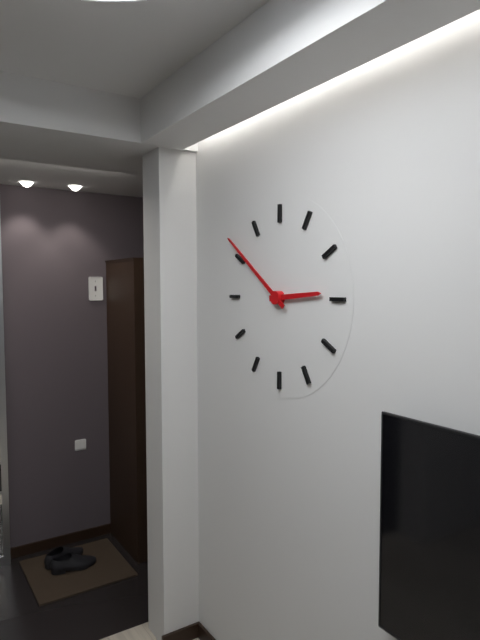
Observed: 2 h 51 min
